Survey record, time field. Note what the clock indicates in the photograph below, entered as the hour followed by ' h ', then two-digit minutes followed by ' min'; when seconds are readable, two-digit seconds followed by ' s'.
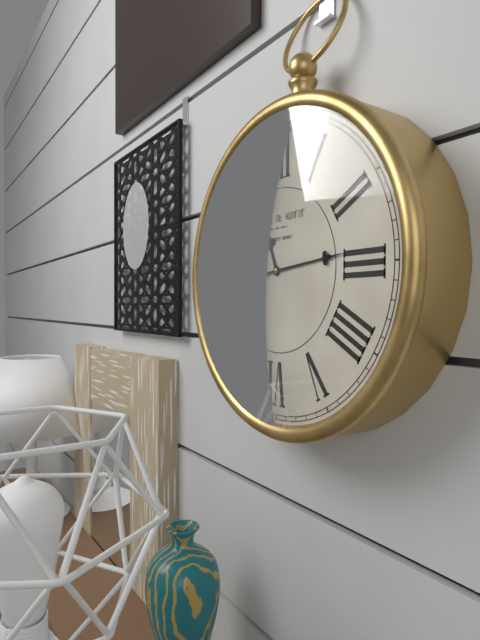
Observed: 11 h 14 min
